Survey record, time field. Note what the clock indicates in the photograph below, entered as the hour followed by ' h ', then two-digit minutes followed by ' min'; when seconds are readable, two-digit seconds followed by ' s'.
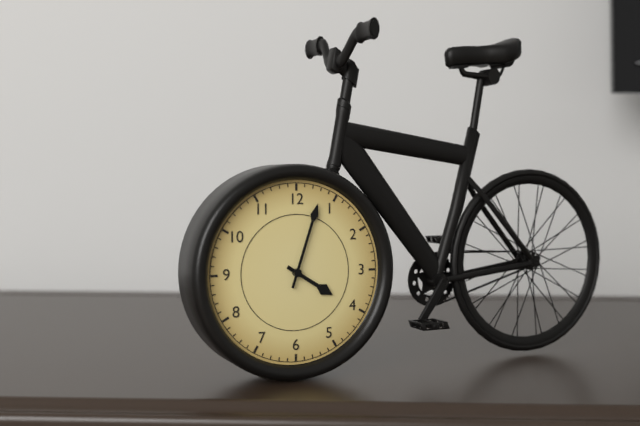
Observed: 4 h 03 min
